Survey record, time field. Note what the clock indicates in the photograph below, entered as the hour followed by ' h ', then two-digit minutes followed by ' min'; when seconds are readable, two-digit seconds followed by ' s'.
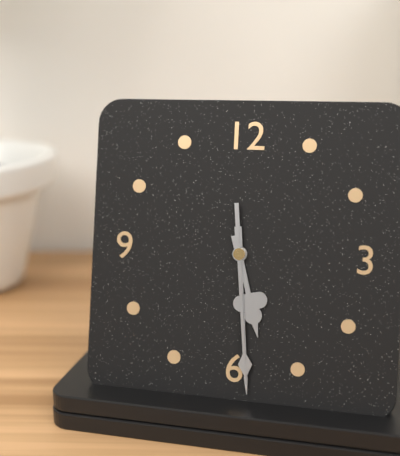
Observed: 5 h 29 min 29 s
